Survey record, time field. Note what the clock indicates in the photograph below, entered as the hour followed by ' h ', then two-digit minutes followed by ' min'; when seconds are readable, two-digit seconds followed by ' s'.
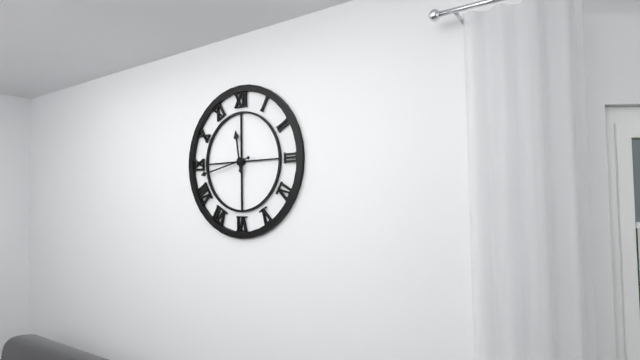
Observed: 11 h 43 min
